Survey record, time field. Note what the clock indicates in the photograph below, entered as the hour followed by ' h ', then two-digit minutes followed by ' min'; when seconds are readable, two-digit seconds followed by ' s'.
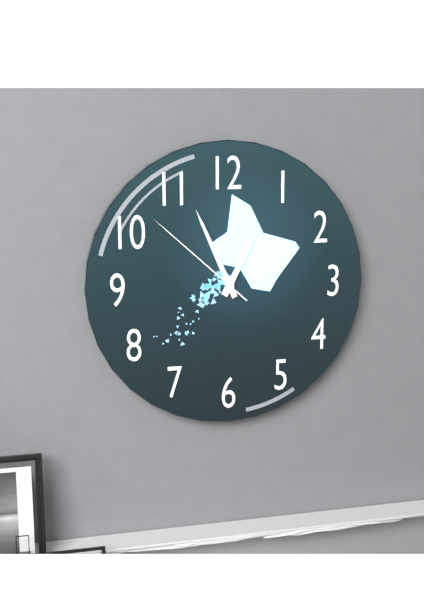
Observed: 12 h 56 min 52 s
